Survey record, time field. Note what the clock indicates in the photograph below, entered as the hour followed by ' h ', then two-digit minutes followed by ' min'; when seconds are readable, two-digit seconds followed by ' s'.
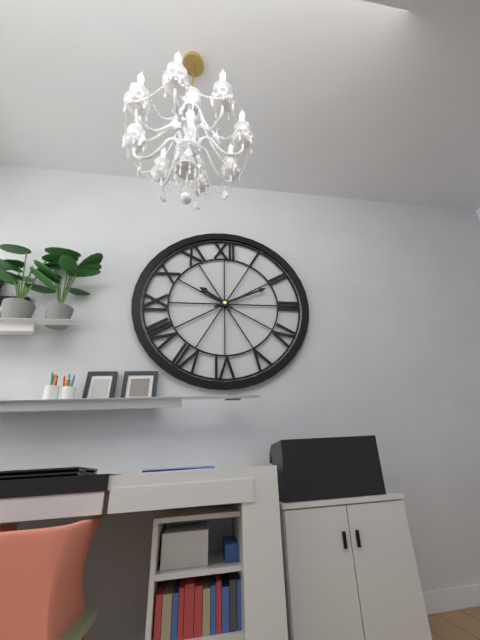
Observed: 10 h 11 min
